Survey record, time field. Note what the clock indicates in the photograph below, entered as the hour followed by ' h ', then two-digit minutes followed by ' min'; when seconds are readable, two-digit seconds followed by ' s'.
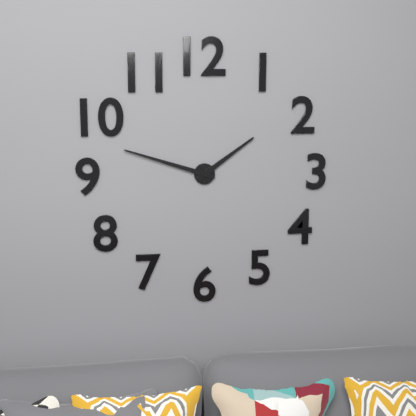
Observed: 1 h 48 min
